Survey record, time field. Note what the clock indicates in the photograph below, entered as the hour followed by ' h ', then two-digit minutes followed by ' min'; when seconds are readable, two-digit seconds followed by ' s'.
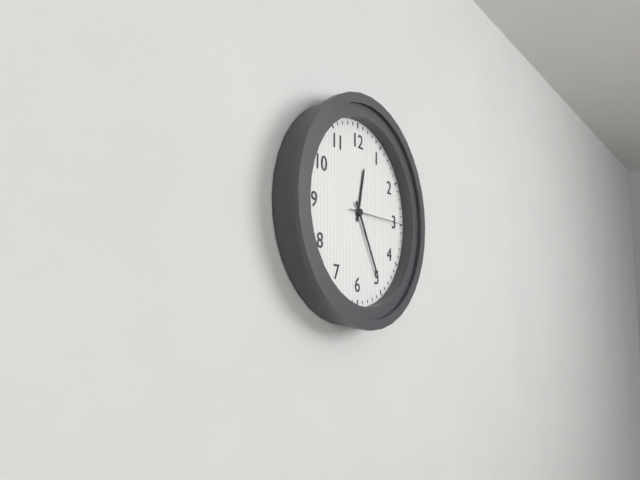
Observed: 12 h 25 min 15 s
